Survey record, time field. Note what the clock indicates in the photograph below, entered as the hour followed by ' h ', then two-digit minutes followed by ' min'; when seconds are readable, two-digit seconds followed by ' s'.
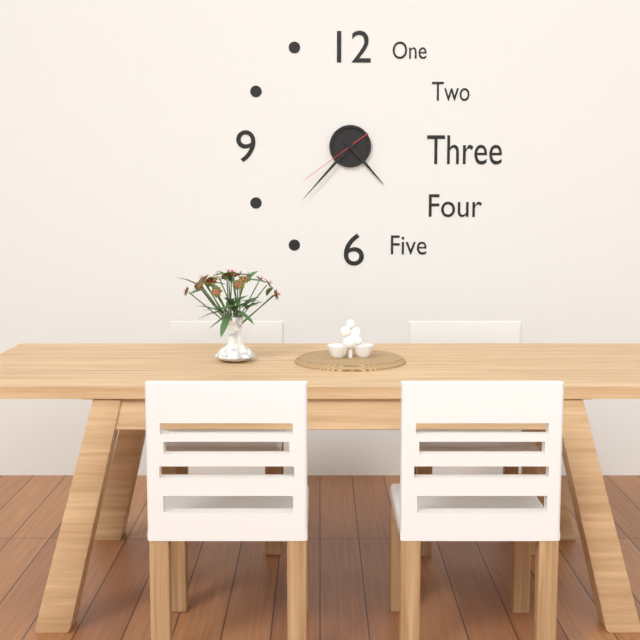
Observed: 4 h 37 min 39 s
